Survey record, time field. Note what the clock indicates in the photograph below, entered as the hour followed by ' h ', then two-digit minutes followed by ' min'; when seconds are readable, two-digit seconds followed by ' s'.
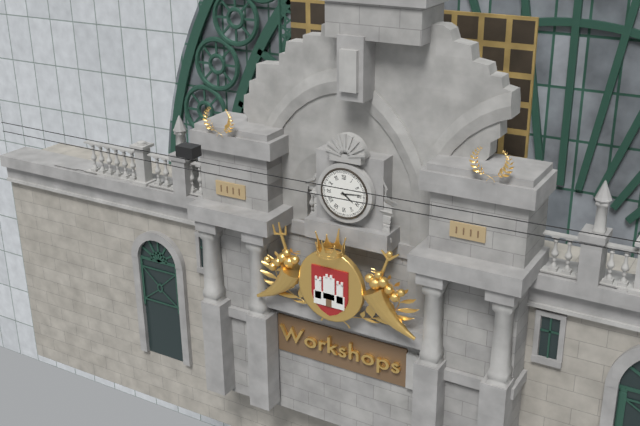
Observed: 4 h 14 min
